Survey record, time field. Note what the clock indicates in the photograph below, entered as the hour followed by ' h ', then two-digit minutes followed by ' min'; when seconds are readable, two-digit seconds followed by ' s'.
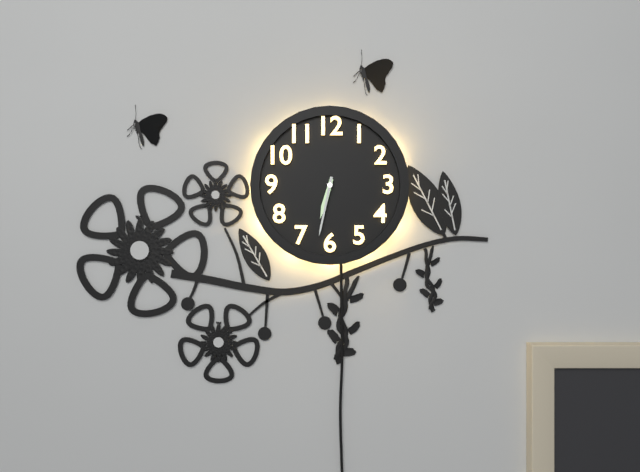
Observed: 6 h 32 min
